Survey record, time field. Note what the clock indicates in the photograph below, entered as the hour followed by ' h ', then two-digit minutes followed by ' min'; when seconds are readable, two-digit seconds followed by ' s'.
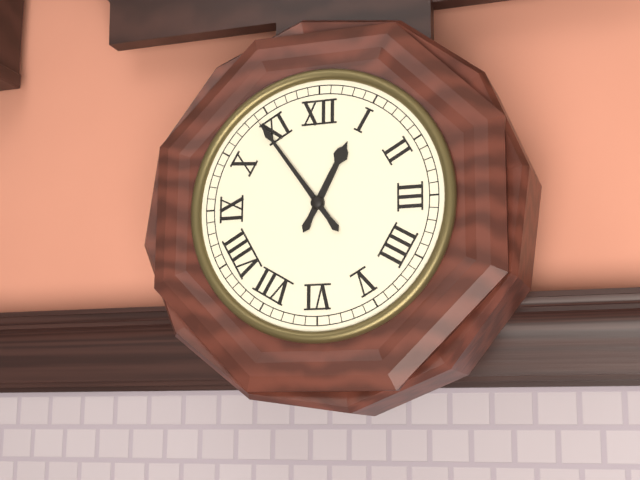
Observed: 12 h 54 min
